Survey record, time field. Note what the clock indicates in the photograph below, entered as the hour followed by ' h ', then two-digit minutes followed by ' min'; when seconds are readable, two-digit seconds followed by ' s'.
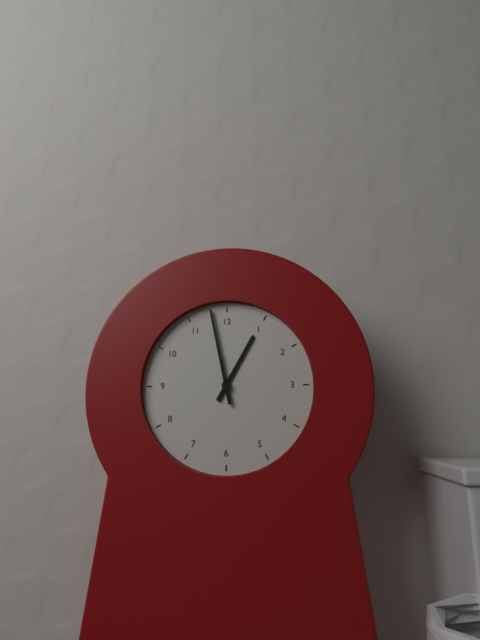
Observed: 12 h 58 min
